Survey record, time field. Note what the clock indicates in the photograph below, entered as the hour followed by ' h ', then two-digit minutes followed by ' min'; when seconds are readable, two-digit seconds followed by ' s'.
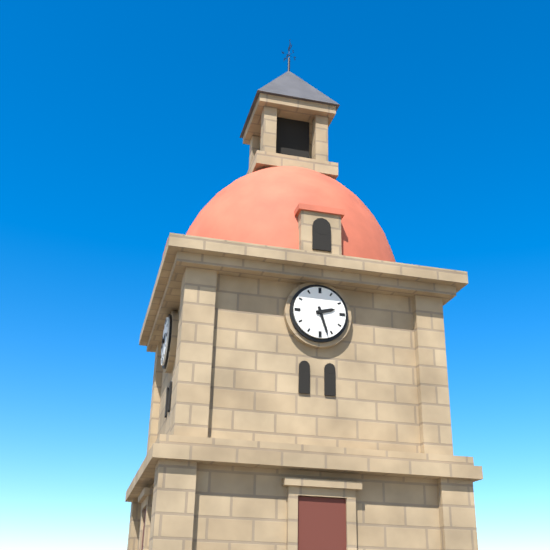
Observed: 2 h 27 min
